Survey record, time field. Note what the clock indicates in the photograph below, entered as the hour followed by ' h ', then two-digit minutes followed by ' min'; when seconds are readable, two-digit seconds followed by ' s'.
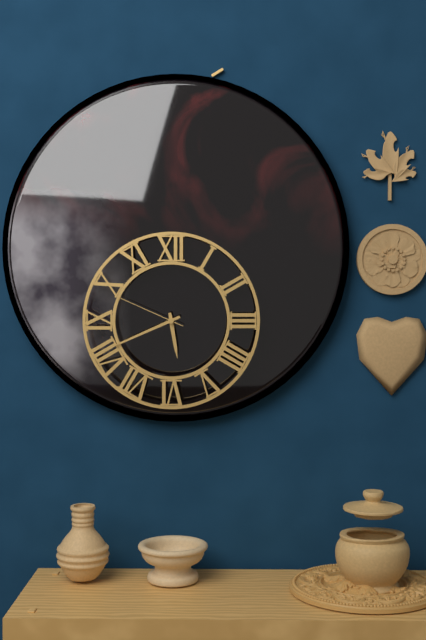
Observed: 5 h 41 min 49 s
